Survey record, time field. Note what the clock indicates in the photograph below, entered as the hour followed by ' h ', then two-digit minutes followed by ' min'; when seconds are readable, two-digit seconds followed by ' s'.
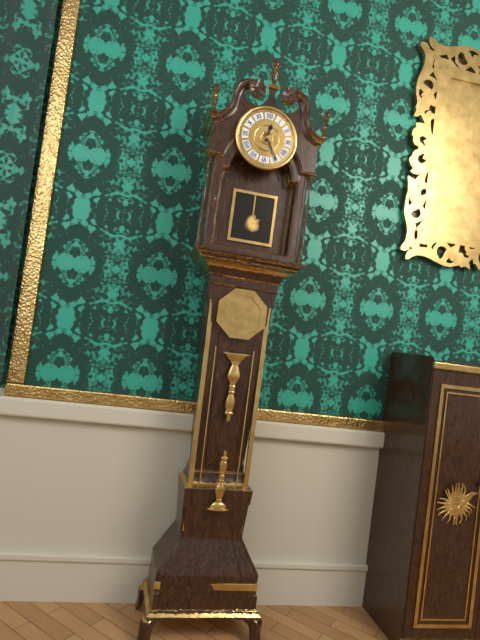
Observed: 12 h 25 min
